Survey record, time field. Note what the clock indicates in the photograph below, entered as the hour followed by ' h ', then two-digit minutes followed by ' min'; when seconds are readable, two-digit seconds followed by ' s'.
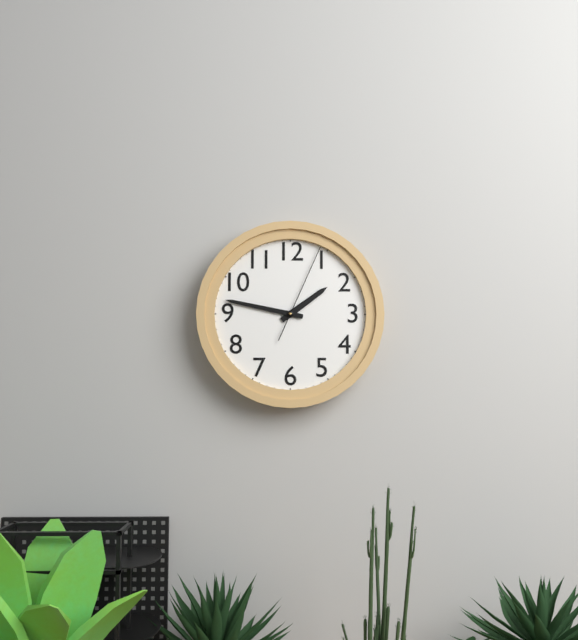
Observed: 1 h 47 min 04 s
